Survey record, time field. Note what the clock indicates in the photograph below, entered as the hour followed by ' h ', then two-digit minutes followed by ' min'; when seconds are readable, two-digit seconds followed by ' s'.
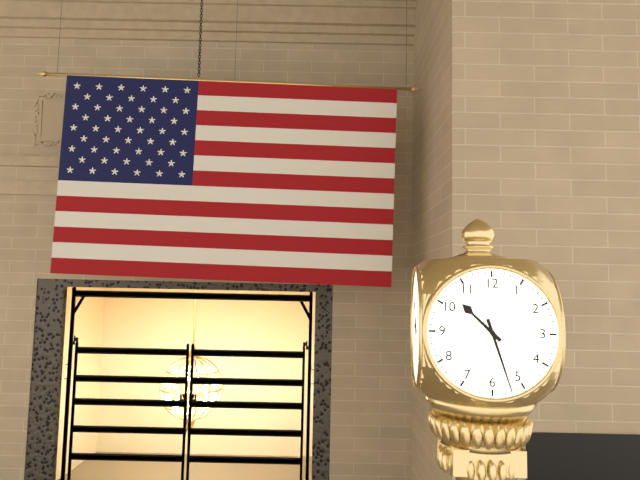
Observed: 10 h 27 min
